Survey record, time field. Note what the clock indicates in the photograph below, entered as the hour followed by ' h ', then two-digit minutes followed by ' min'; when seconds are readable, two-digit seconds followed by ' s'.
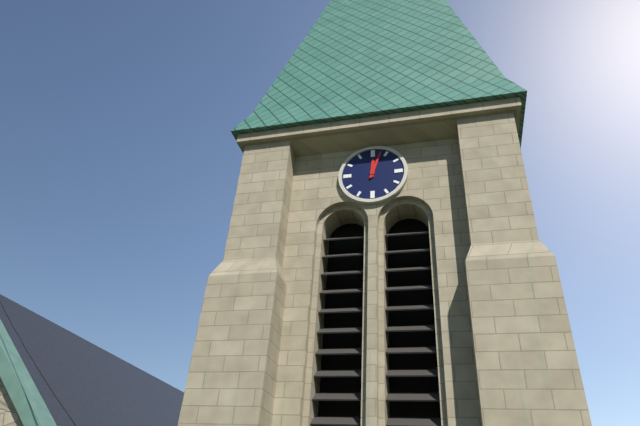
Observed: 12 h 03 min
